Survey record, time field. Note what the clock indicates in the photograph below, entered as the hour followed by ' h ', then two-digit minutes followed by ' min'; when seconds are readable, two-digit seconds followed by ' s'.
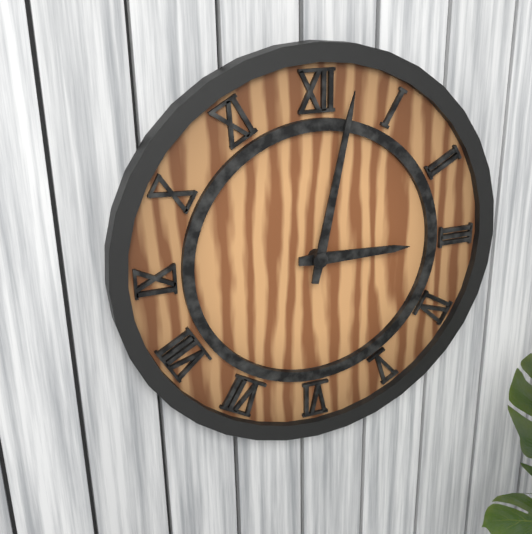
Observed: 3 h 02 min
